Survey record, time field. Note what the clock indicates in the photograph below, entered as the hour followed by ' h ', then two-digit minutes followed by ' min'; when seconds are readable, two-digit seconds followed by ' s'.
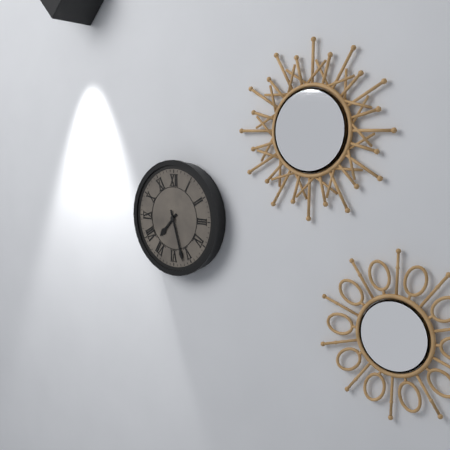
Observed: 7 h 27 min
